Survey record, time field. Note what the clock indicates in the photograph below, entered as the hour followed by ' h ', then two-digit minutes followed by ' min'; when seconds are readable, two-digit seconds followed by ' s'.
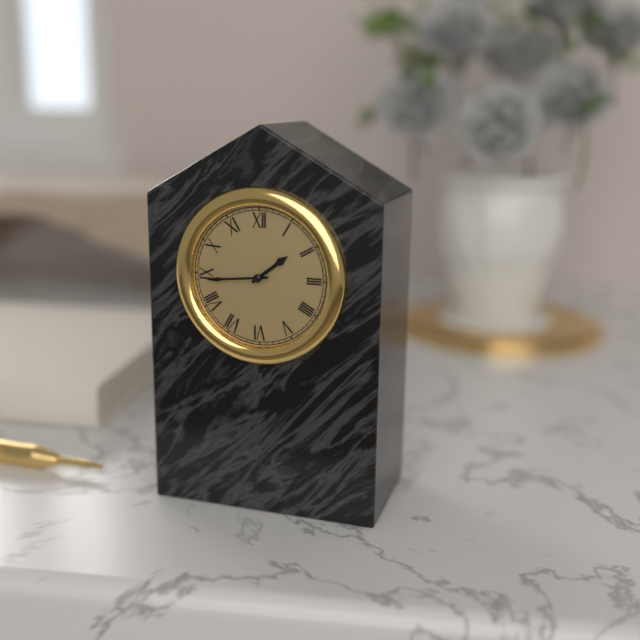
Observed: 1 h 44 min
